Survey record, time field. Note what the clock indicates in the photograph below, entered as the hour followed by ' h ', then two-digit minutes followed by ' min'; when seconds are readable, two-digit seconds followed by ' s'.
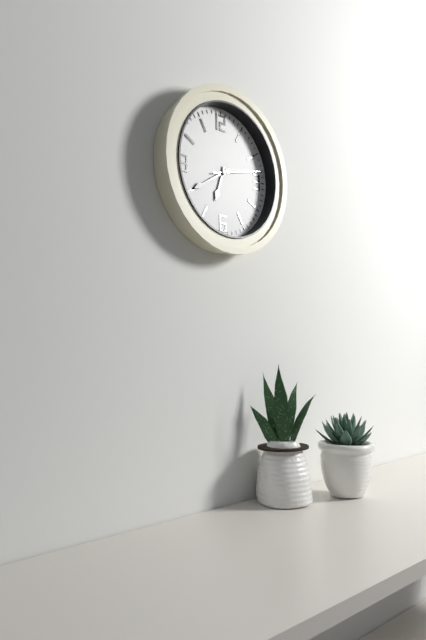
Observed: 6 h 40 min 13 s
